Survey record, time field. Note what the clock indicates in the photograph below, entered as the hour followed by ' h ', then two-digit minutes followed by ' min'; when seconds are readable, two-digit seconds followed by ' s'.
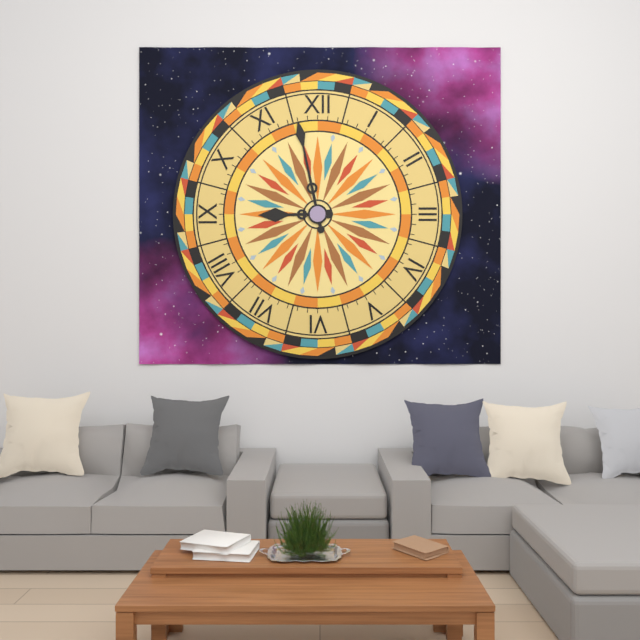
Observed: 8 h 58 min
